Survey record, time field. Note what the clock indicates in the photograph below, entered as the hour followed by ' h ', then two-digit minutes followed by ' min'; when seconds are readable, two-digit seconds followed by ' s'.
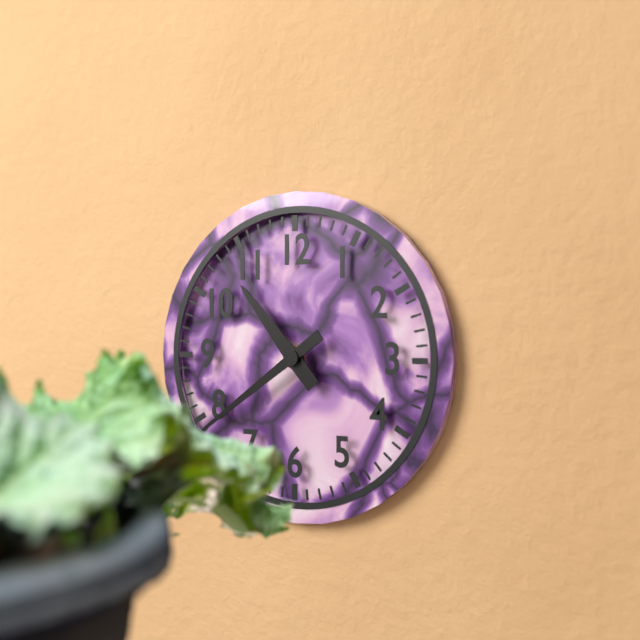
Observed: 10 h 39 min
